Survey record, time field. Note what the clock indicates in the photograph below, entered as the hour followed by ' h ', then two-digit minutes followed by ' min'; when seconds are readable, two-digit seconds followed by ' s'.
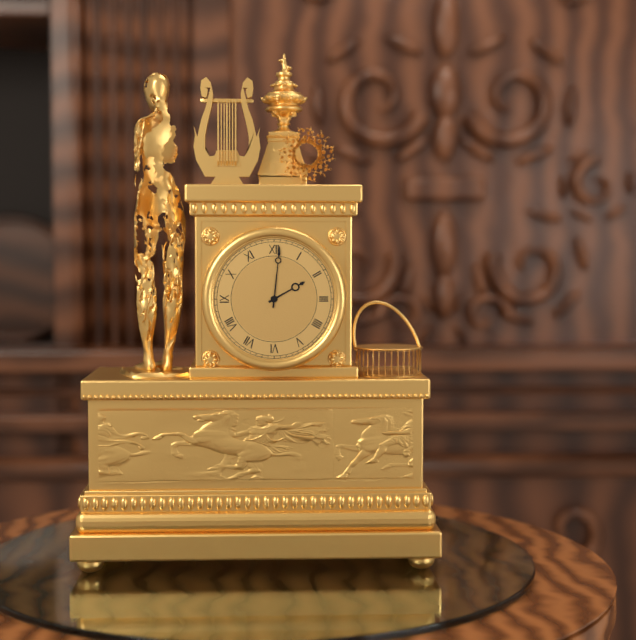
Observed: 2 h 01 min
